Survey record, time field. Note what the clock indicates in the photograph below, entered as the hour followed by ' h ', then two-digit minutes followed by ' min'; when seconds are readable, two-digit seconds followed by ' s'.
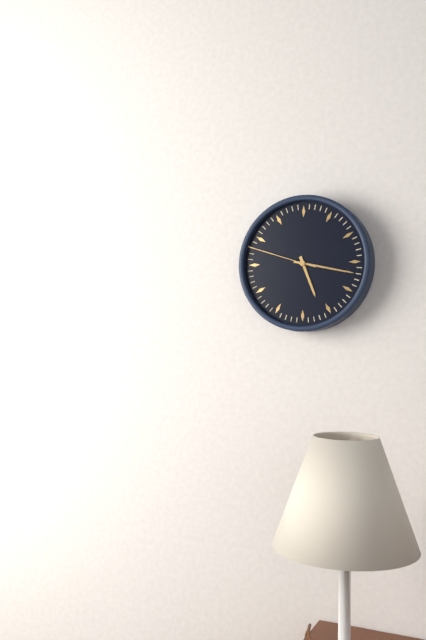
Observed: 5 h 17 min 48 s
